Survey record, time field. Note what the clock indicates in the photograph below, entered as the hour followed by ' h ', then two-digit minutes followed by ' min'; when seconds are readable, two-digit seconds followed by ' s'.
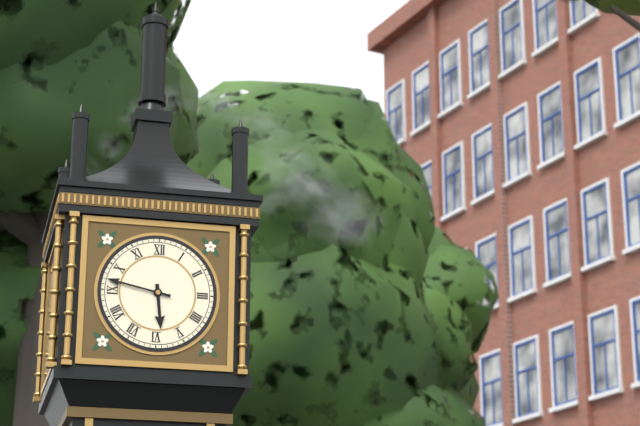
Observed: 5 h 47 min
